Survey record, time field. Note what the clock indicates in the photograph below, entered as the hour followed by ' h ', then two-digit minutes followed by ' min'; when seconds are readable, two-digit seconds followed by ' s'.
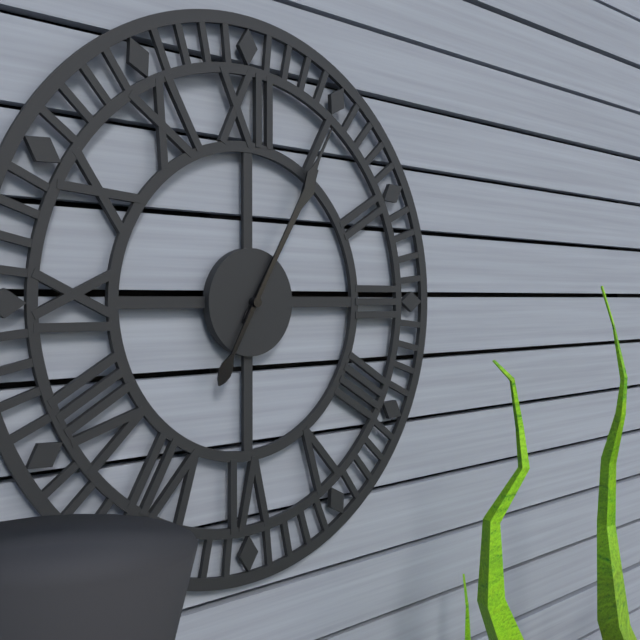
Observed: 1 h 05 min
